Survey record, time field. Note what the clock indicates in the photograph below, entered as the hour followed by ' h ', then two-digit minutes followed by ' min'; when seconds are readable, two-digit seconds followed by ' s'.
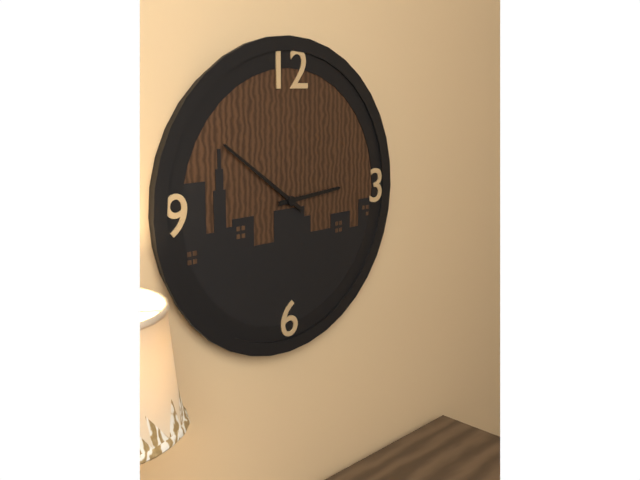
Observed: 2 h 51 min
